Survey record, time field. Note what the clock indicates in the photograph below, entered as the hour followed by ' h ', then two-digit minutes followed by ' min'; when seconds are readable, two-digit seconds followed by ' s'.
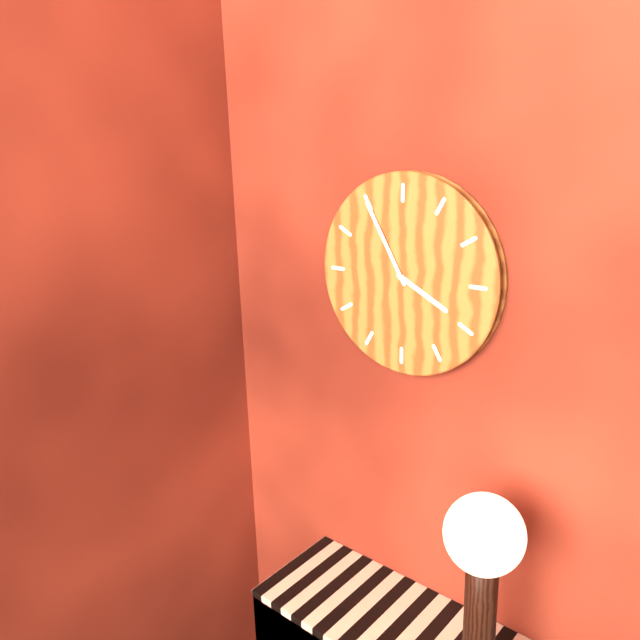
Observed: 3 h 55 min
